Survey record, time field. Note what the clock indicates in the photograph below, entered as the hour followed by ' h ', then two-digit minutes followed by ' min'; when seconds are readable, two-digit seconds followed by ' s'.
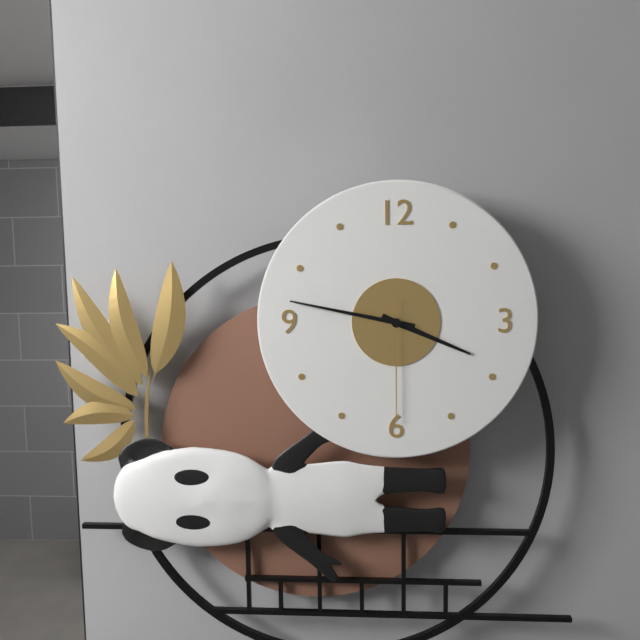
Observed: 3 h 47 min 30 s
